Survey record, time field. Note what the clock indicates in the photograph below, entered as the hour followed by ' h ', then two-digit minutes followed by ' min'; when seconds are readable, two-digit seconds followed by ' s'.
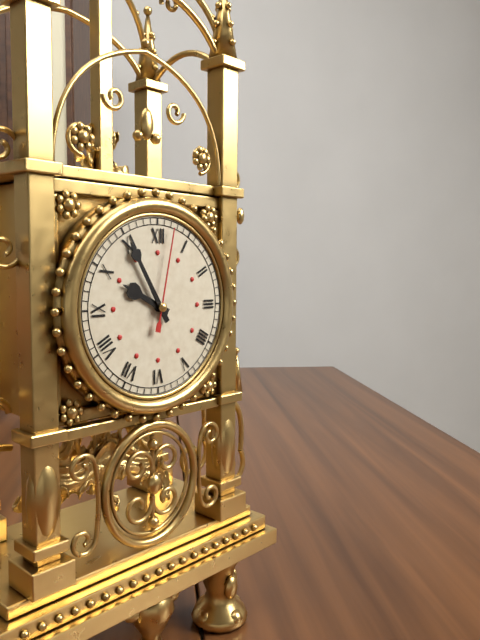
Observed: 9 h 55 min 02 s
